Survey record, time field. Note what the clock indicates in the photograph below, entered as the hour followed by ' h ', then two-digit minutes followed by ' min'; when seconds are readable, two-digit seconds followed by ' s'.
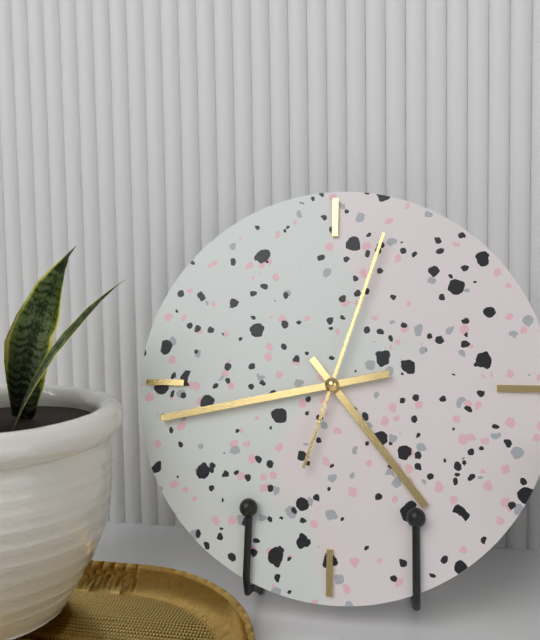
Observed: 4 h 43 min 03 s
